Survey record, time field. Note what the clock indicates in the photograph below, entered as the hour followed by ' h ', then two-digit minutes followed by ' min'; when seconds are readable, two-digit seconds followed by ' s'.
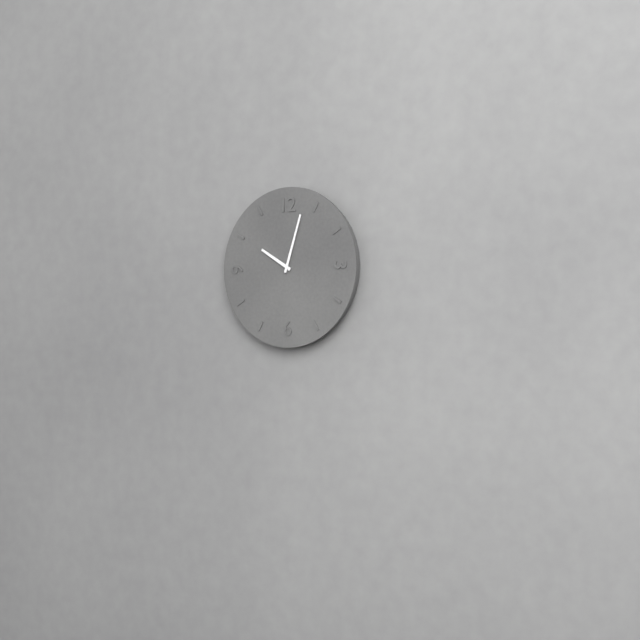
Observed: 10 h 03 min
